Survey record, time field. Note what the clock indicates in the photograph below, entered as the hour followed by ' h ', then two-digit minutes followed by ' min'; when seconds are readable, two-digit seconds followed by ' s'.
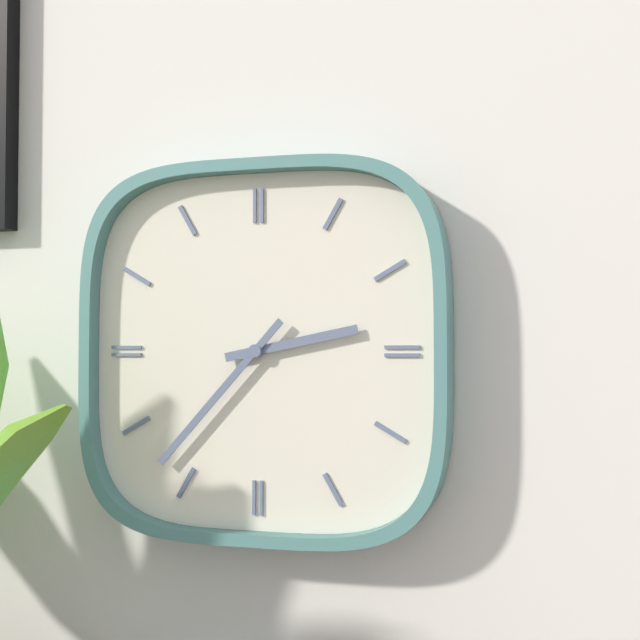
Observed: 2 h 37 min
